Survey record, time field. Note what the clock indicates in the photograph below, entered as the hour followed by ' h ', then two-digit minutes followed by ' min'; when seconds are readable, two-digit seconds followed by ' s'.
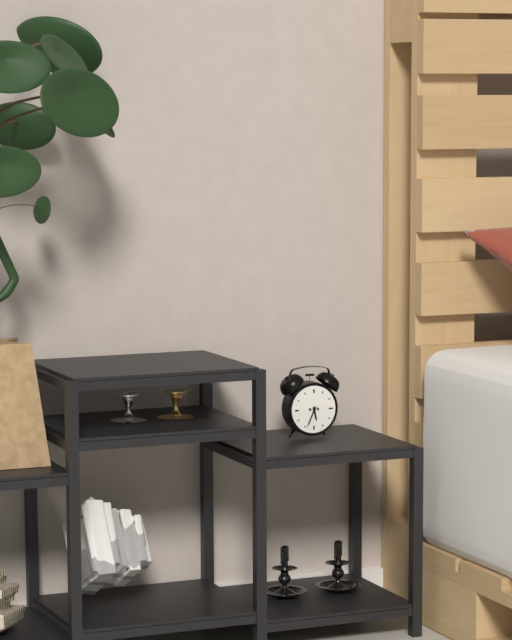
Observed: 5 h 34 min
